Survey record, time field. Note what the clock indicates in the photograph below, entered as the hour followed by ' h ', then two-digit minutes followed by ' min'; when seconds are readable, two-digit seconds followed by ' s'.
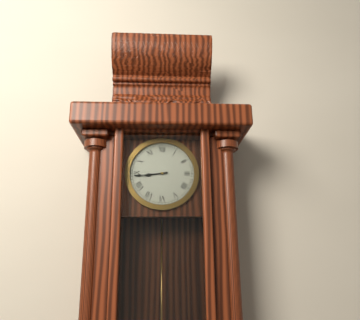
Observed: 8 h 44 min
